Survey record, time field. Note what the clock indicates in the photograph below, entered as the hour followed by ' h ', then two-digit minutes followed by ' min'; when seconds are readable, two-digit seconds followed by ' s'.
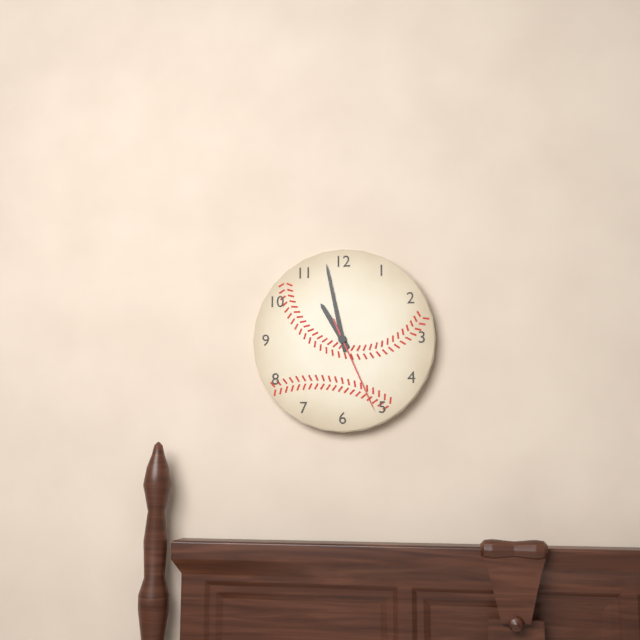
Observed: 10 h 58 min 26 s
